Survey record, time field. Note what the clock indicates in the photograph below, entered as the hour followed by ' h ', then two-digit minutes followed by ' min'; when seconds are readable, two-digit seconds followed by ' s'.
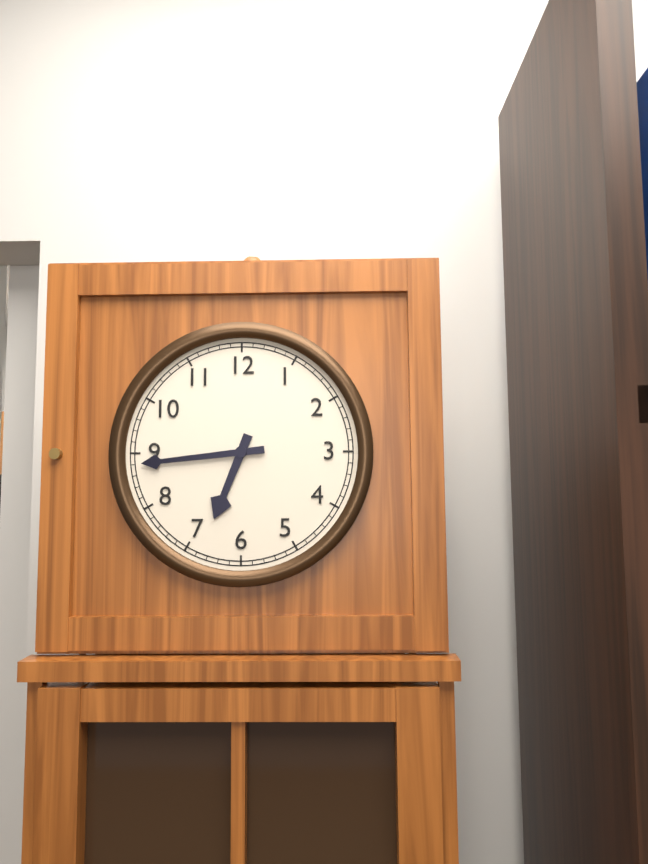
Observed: 6 h 44 min
